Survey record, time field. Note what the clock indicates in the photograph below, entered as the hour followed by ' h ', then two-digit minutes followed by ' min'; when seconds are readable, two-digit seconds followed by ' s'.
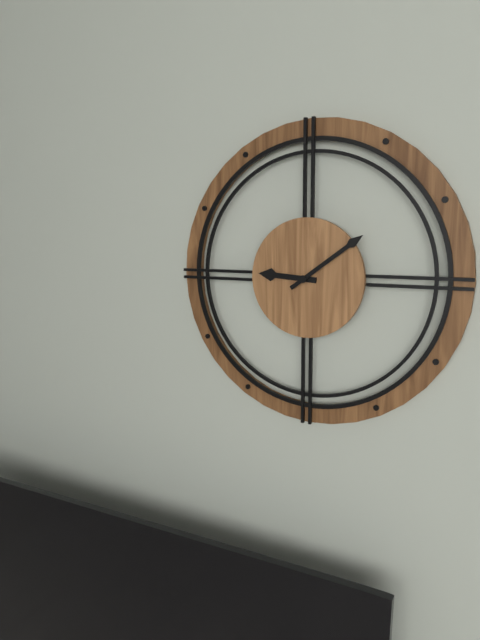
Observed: 9 h 09 min
